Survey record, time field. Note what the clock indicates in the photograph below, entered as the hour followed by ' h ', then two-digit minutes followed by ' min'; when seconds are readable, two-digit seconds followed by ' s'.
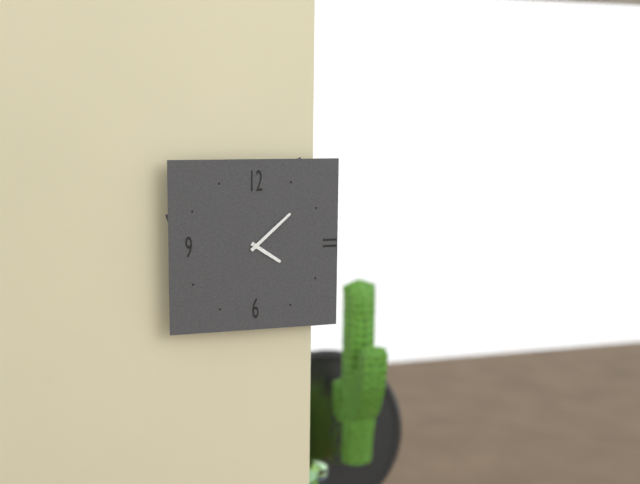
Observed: 4 h 08 min
